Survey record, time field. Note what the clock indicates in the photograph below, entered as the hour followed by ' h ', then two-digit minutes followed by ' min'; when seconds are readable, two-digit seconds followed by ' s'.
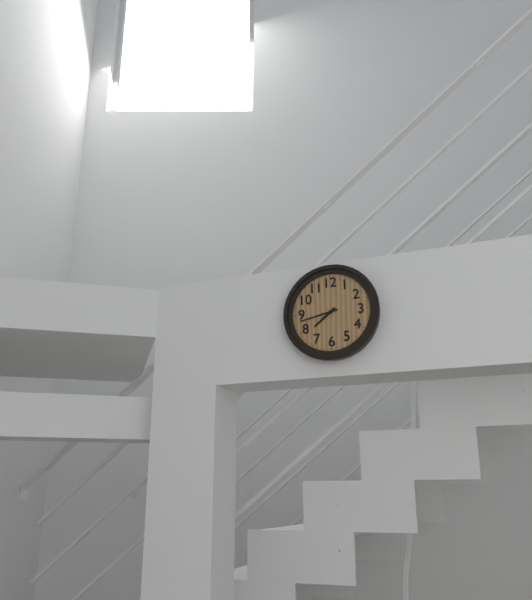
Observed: 7 h 43 min
